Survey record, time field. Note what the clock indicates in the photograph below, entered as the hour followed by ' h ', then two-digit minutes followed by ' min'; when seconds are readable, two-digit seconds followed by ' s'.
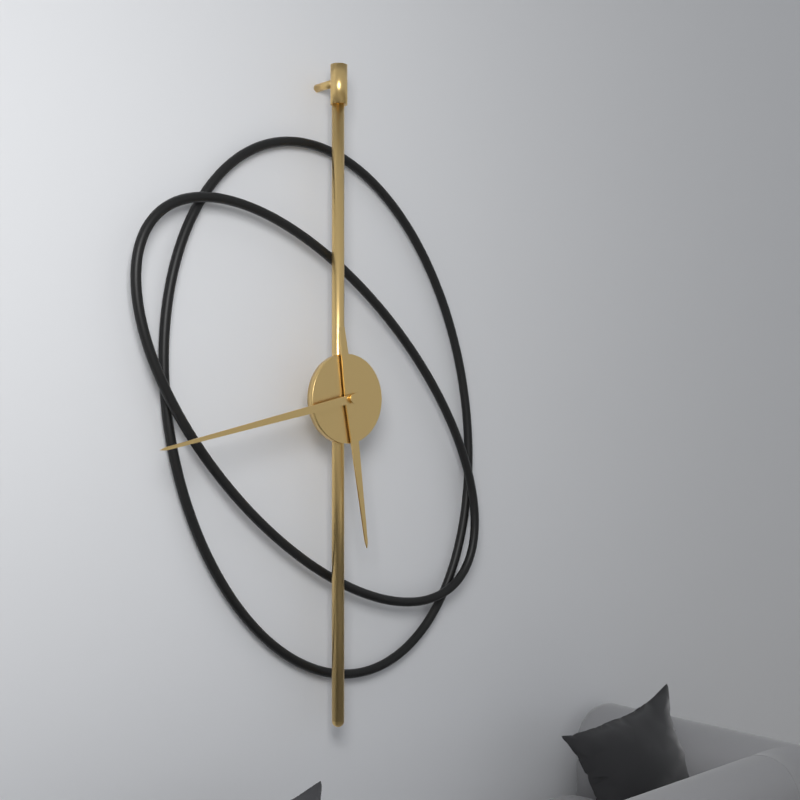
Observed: 5 h 43 min
